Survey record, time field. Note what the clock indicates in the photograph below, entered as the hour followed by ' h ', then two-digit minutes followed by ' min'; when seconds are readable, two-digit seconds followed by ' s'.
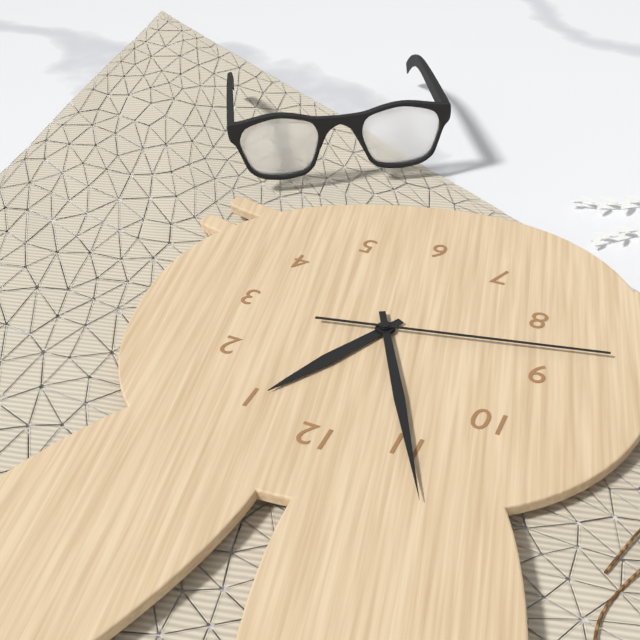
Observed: 12 h 55 min 43 s
